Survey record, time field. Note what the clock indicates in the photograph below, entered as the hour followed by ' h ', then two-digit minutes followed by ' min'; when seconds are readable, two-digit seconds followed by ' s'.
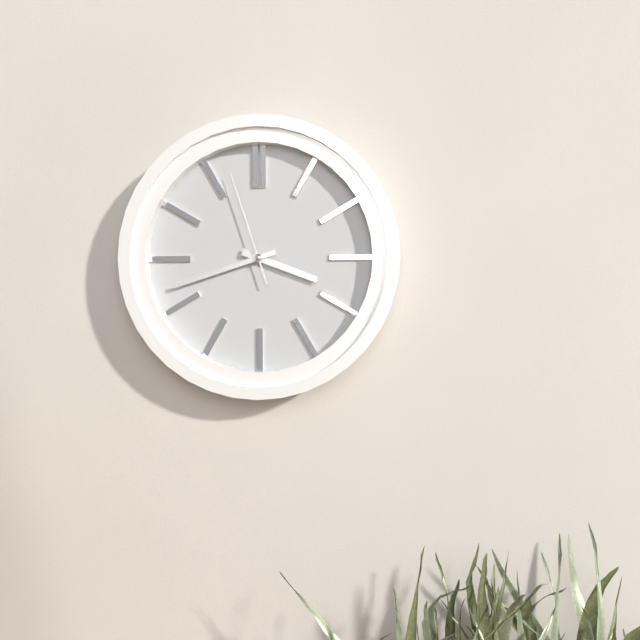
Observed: 3 h 42 min 57 s
